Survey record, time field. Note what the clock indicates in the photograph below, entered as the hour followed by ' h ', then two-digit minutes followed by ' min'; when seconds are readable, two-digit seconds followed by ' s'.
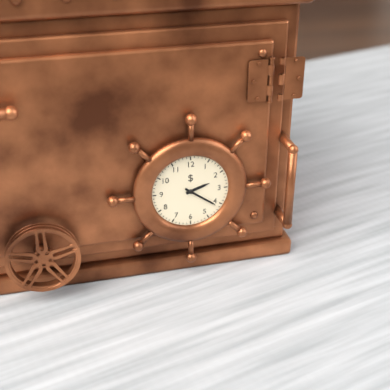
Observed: 2 h 21 min
